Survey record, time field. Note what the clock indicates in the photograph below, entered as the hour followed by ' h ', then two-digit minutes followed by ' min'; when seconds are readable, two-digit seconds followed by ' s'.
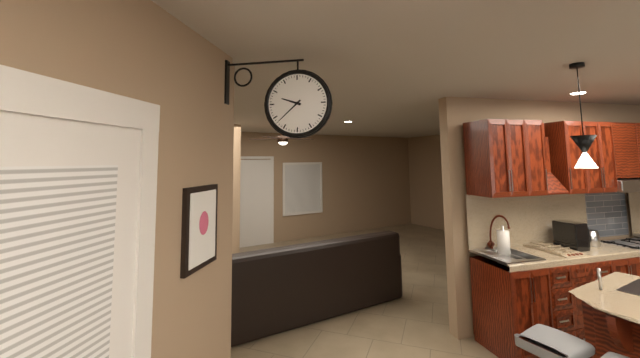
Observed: 9 h 38 min
